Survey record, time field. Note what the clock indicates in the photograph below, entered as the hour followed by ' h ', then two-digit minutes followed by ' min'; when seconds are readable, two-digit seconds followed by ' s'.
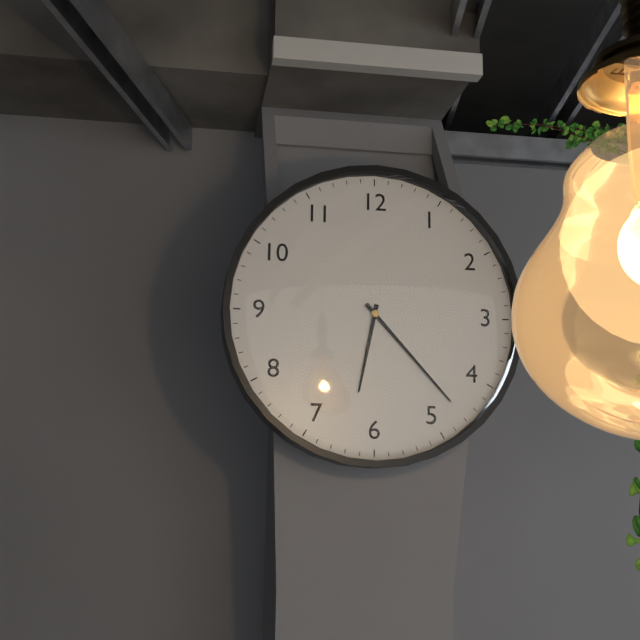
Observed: 6 h 23 min
